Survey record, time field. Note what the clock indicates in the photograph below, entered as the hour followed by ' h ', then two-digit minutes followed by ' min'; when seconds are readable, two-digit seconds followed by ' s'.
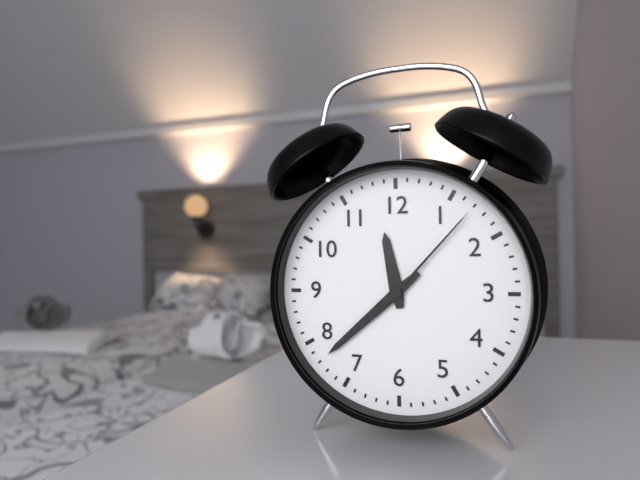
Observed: 11 h 38 min 07 s
